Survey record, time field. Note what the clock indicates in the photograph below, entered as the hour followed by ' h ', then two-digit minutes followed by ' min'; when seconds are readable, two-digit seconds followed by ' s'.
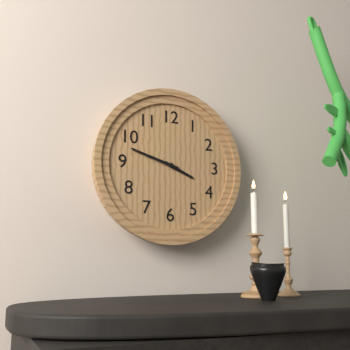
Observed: 3 h 48 min
